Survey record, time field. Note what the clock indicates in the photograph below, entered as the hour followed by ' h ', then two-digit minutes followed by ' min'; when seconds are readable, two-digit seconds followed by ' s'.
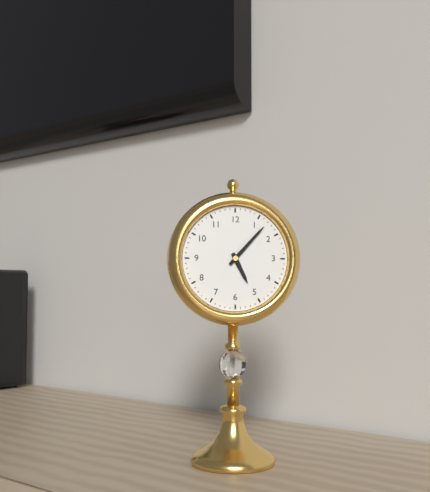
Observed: 5 h 07 min
